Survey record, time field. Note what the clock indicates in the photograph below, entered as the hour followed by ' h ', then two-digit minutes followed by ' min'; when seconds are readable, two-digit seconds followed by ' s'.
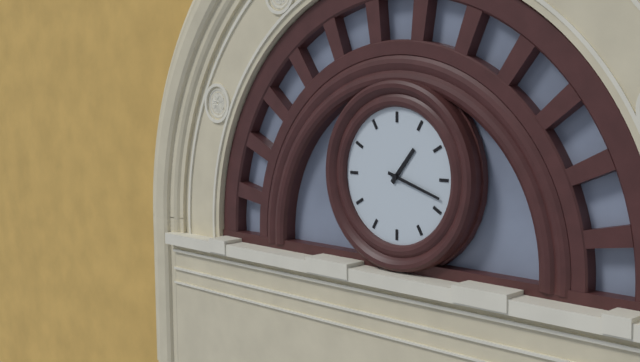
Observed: 1 h 18 min
